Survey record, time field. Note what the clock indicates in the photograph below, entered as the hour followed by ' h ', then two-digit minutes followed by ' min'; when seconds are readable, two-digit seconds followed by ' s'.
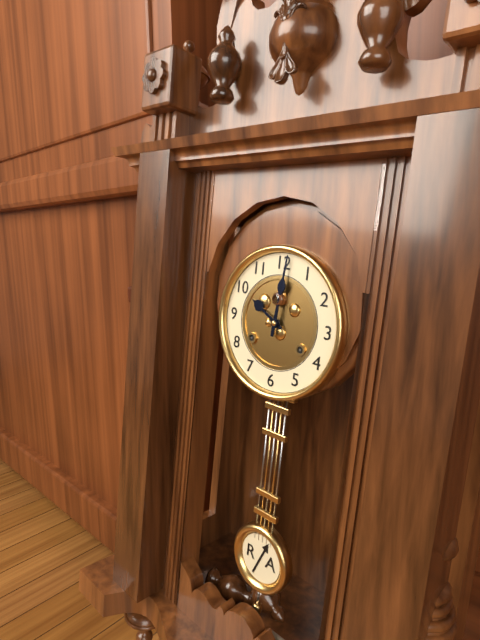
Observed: 10 h 01 min
